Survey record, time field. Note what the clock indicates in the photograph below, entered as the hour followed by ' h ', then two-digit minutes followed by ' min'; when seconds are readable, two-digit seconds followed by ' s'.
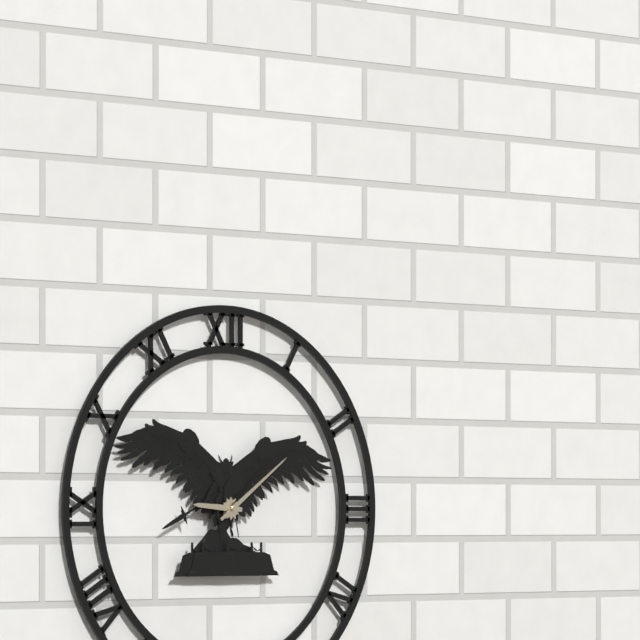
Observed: 9 h 09 min
